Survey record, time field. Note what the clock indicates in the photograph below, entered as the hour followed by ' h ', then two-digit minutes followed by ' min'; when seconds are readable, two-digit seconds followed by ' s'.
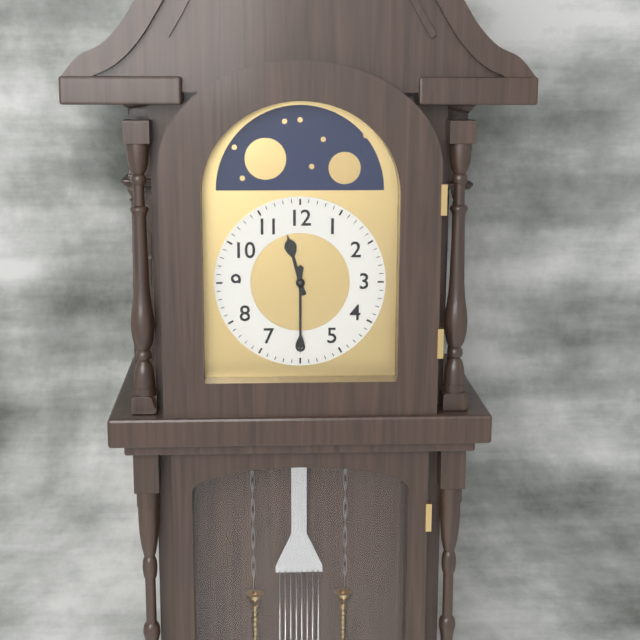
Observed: 11 h 30 min
